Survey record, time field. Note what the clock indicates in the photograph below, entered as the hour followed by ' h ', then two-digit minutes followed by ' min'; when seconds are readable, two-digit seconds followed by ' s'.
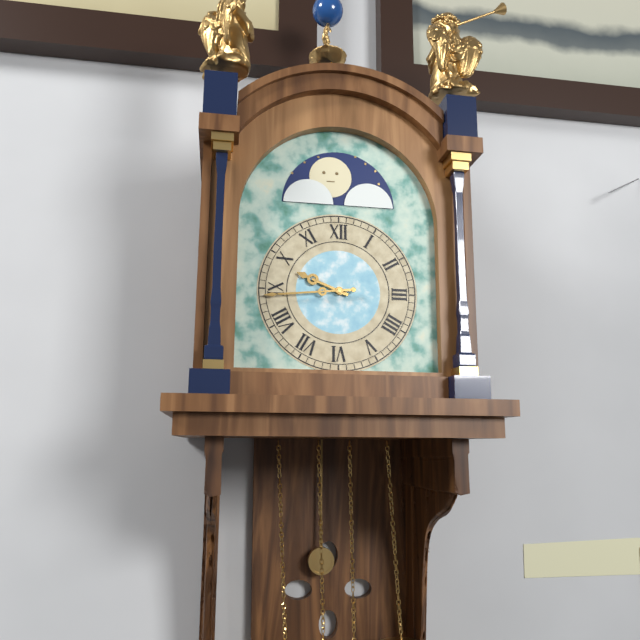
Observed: 9 h 44 min
